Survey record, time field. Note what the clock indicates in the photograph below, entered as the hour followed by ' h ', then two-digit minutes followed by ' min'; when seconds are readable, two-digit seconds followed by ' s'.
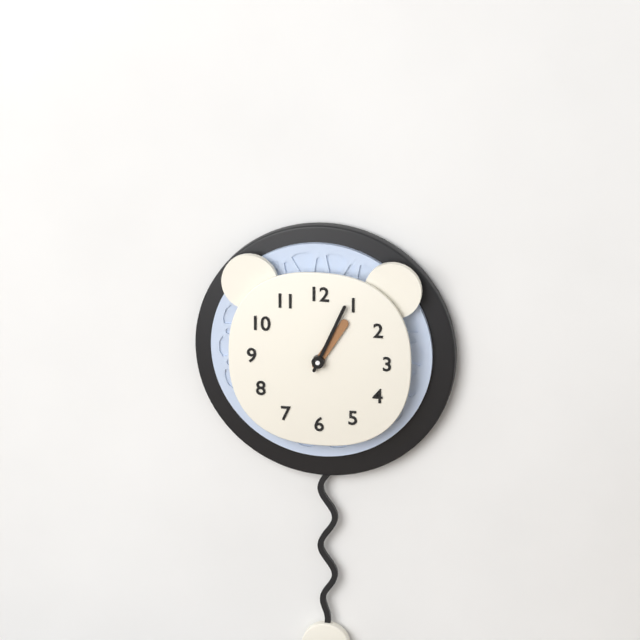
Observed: 1 h 04 min
